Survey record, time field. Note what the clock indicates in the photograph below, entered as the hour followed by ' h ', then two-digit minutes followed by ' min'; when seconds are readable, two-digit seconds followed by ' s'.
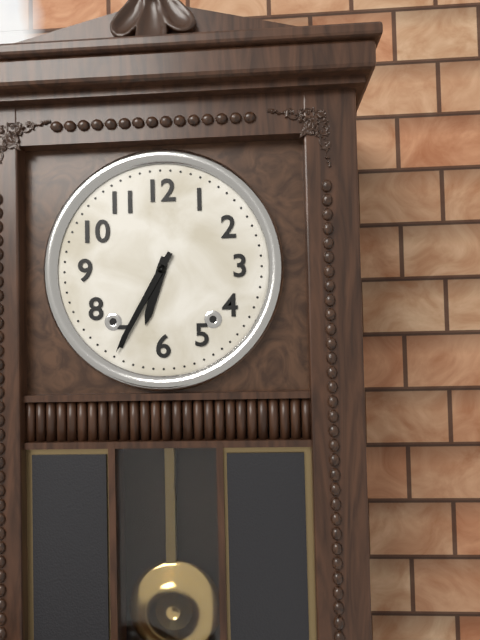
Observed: 6 h 35 min
